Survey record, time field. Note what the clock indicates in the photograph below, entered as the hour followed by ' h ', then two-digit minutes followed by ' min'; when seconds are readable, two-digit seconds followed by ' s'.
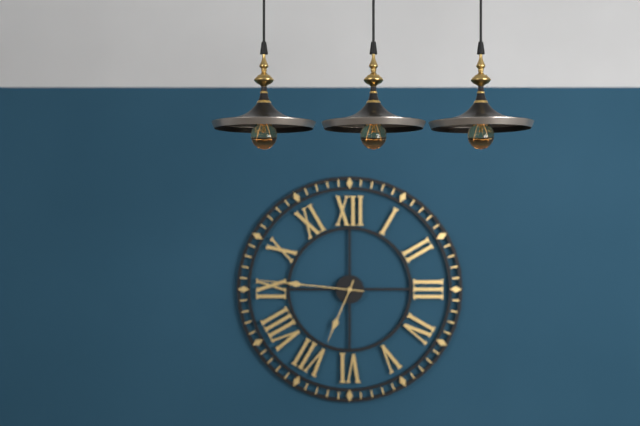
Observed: 6 h 46 min
